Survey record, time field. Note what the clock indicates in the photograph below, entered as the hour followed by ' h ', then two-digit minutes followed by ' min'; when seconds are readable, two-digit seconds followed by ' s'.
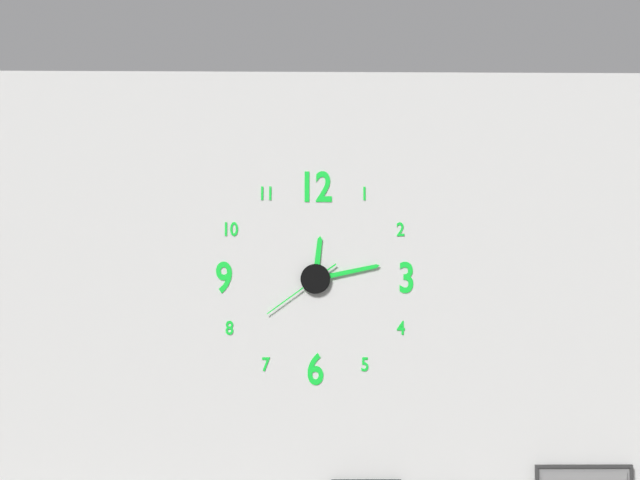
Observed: 12 h 13 min 39 s
